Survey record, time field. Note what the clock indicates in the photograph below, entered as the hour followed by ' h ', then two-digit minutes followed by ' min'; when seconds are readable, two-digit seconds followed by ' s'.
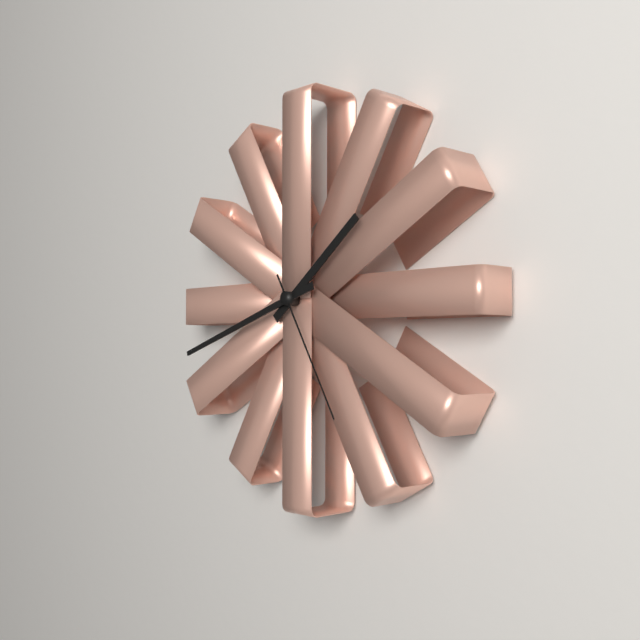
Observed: 1 h 42 min 25 s
